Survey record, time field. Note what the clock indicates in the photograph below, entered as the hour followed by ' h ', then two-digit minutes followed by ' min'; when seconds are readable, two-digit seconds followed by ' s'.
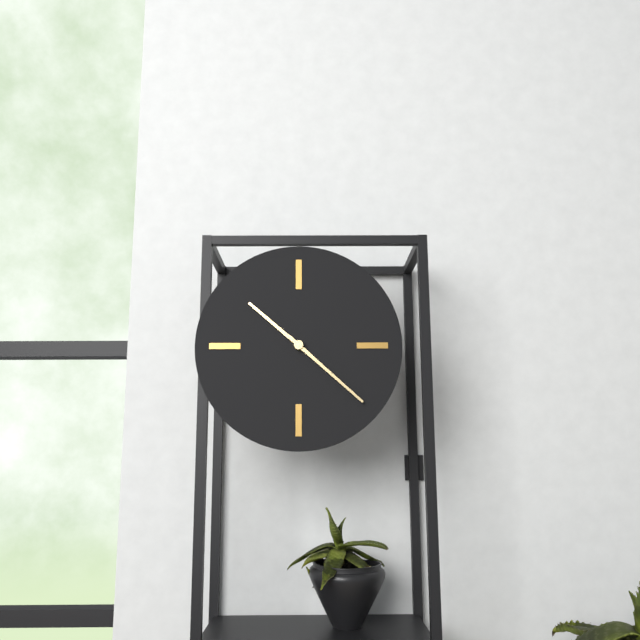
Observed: 10 h 22 min
